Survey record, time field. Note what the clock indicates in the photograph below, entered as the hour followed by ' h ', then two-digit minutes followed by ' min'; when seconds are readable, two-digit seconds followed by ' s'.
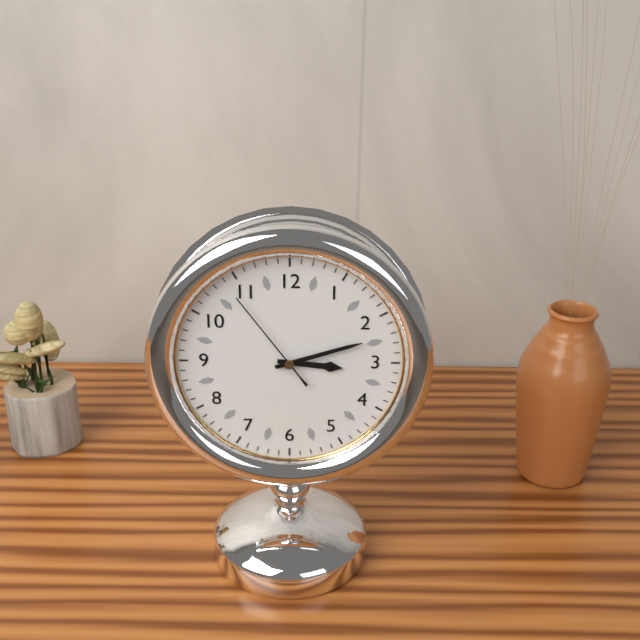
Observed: 3 h 12 min 54 s
